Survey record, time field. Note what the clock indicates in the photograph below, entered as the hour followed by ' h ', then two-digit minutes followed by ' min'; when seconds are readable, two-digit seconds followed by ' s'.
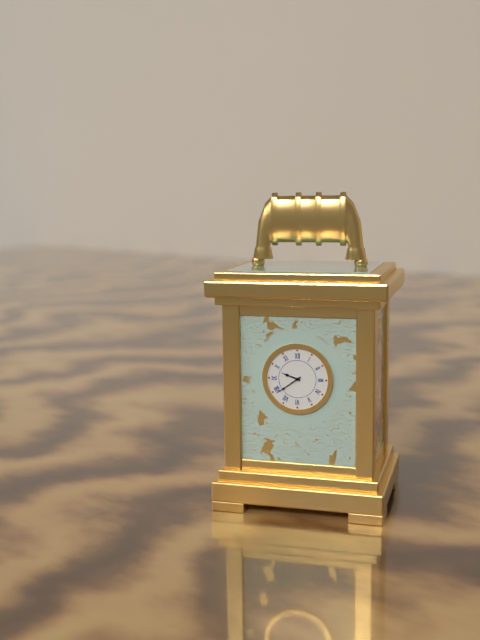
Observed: 9 h 39 min
